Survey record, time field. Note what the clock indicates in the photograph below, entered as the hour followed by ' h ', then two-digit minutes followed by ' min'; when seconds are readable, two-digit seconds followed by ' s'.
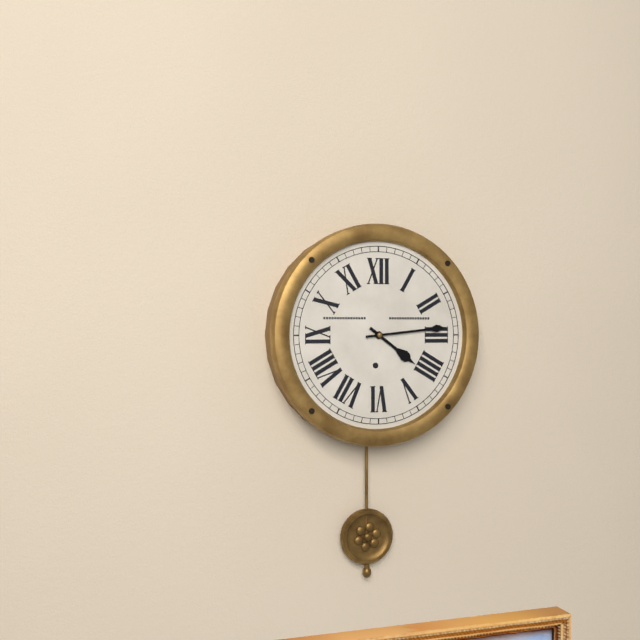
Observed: 4 h 14 min
